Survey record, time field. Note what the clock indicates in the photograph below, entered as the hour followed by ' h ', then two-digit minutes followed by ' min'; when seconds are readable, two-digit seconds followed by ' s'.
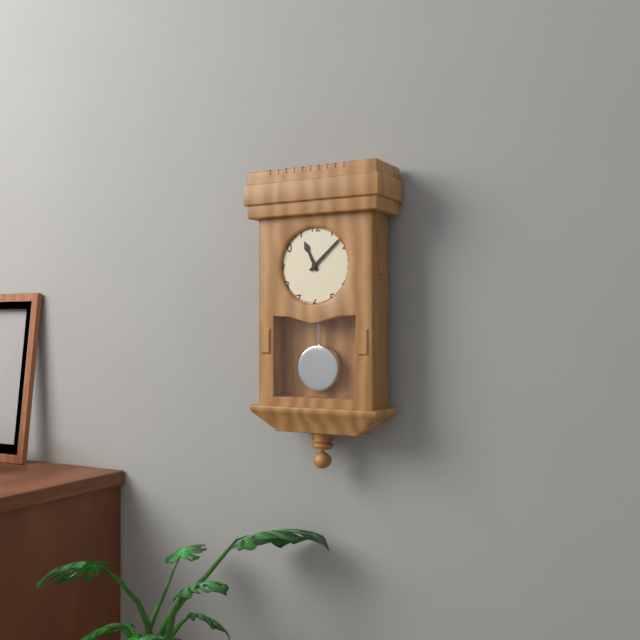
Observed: 11 h 08 min
